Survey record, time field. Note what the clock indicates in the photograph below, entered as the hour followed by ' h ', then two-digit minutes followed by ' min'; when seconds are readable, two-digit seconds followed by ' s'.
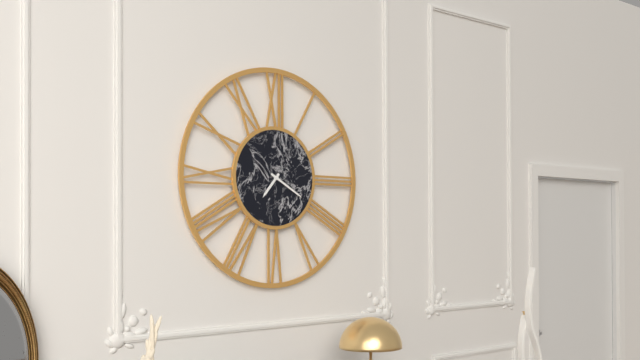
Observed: 7 h 20 min
